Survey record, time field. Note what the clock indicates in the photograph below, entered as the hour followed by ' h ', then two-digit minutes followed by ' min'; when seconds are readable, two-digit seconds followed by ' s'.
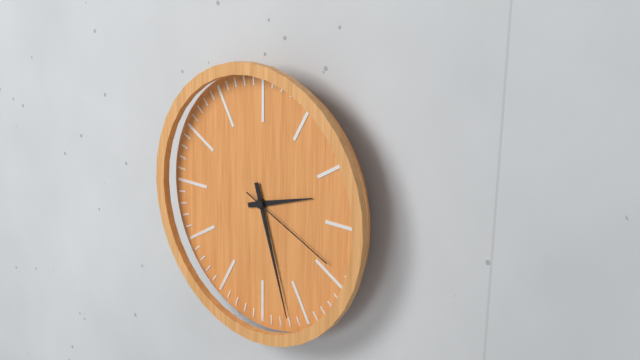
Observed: 2 h 27 min 19 s
